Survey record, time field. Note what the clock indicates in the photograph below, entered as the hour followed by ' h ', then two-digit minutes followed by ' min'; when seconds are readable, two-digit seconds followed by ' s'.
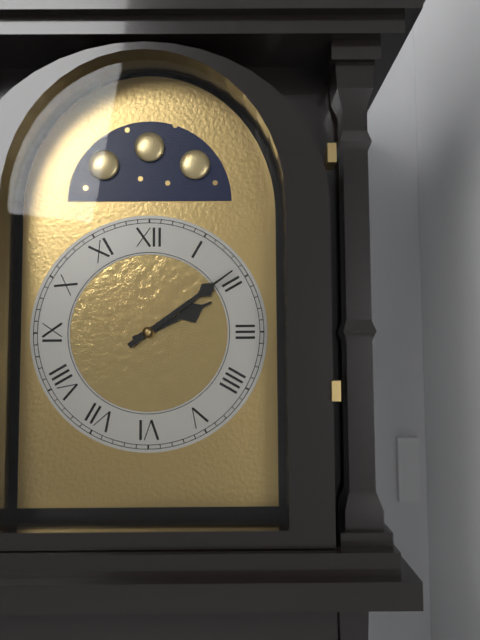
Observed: 2 h 09 min
